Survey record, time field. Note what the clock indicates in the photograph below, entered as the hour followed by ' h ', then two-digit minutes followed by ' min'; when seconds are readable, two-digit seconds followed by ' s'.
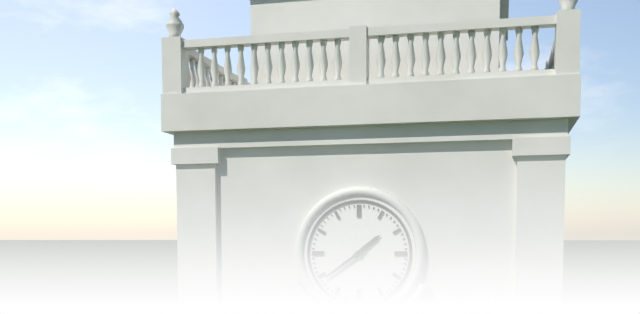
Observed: 1 h 39 min
